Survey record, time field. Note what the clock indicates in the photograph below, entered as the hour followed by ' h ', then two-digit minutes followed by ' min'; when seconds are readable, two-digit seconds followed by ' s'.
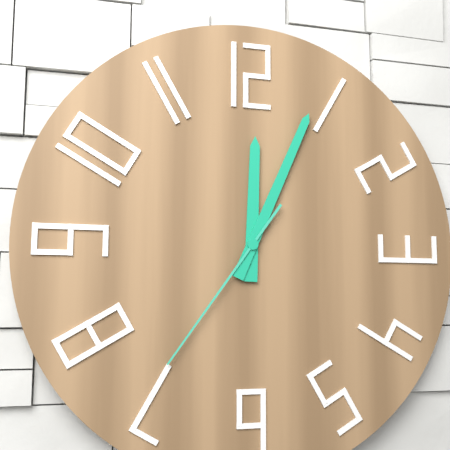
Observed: 12 h 04 min 36 s
